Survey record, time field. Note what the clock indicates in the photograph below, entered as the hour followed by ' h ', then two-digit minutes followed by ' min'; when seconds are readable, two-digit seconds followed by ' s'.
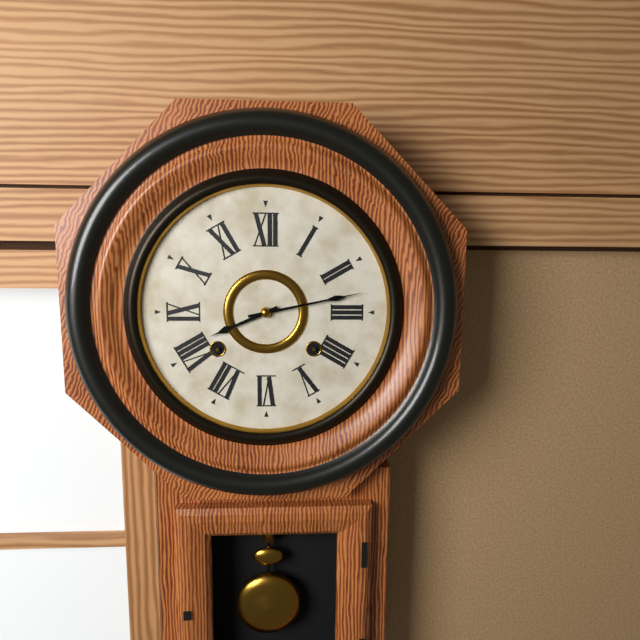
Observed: 8 h 13 min
